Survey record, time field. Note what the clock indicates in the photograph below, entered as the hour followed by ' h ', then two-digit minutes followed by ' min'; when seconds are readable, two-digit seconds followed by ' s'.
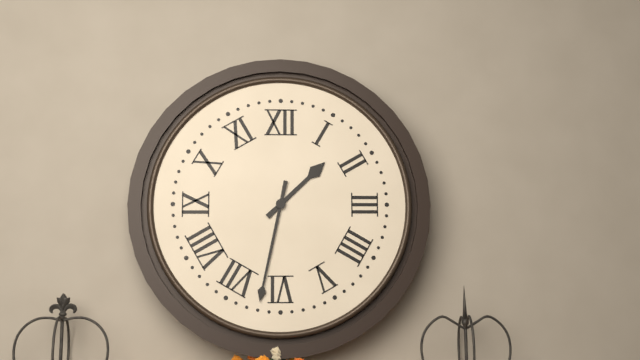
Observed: 1 h 32 min
